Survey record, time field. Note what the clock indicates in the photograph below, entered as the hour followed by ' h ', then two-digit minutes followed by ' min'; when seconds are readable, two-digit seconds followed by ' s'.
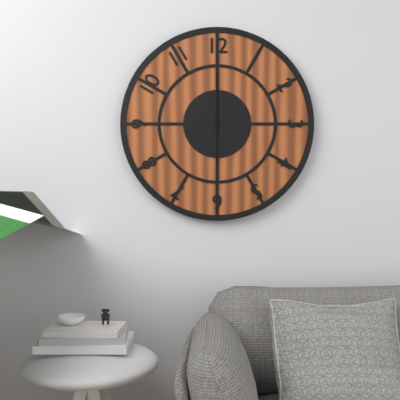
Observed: 6 h 00 min
